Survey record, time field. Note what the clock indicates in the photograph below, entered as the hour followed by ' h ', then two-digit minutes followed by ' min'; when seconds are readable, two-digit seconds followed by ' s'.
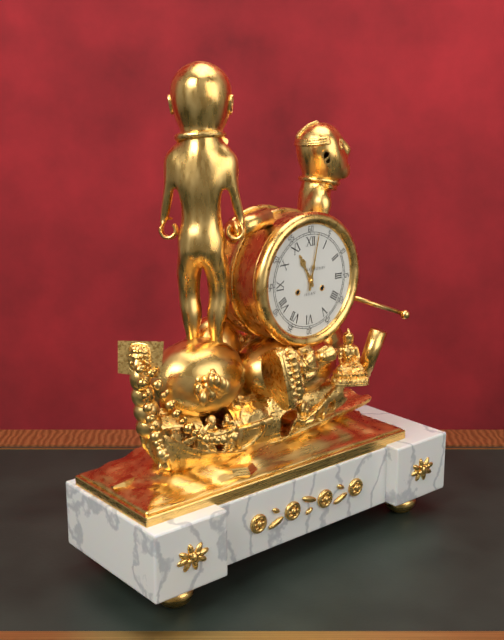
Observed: 11 h 02 min
